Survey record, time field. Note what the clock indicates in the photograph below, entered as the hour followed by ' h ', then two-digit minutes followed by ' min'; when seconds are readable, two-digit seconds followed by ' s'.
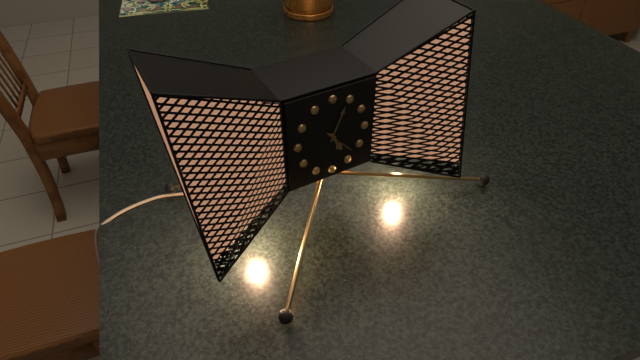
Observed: 5 h 04 min
